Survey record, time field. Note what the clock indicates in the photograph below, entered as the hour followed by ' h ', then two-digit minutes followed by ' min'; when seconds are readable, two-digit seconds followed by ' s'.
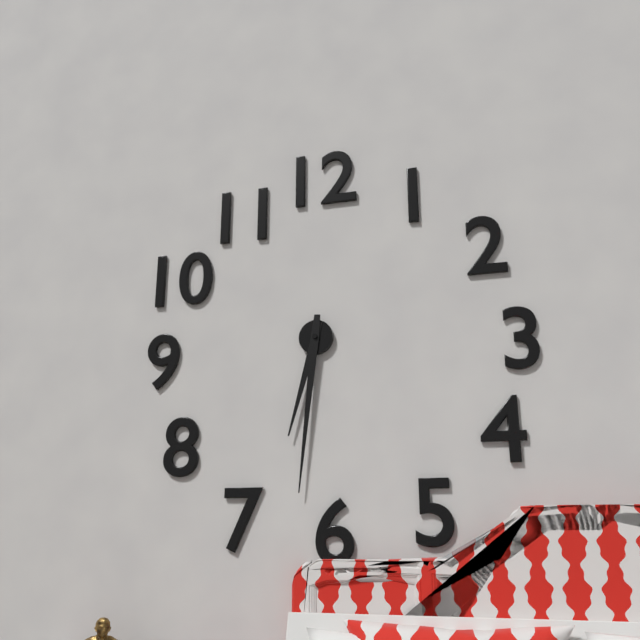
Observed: 6 h 31 min
